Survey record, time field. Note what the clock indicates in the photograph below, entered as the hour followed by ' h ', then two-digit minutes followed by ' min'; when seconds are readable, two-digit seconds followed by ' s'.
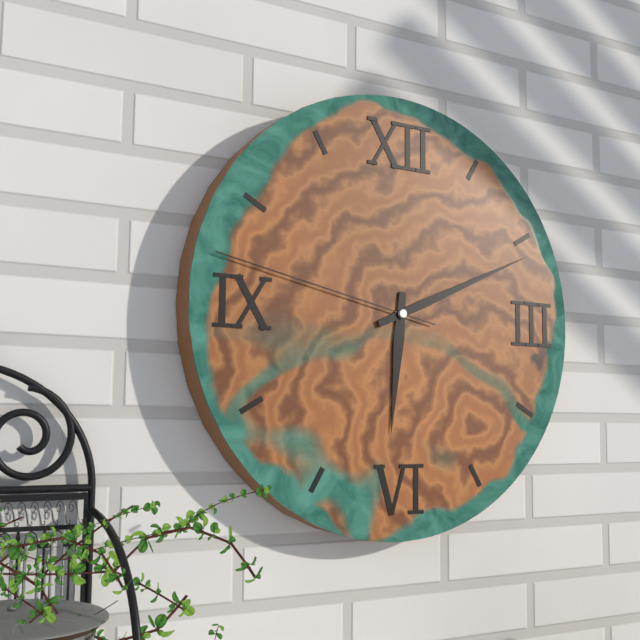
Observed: 6 h 11 min 47 s
